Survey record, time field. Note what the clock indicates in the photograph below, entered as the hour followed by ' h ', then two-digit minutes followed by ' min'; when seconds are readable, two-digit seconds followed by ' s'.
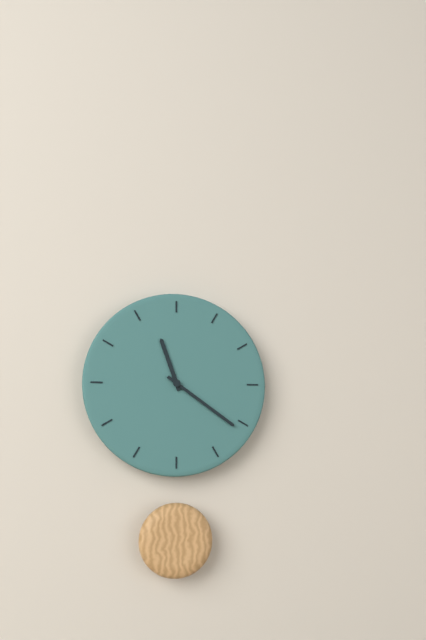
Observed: 11 h 21 min
